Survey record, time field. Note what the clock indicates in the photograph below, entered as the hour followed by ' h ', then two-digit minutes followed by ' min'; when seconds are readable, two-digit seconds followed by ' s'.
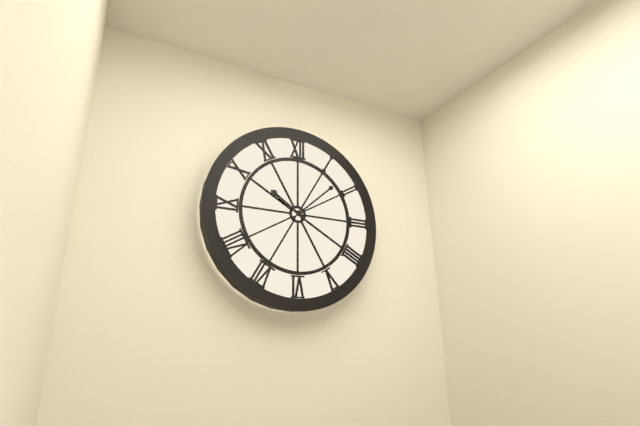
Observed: 10 h 08 min
